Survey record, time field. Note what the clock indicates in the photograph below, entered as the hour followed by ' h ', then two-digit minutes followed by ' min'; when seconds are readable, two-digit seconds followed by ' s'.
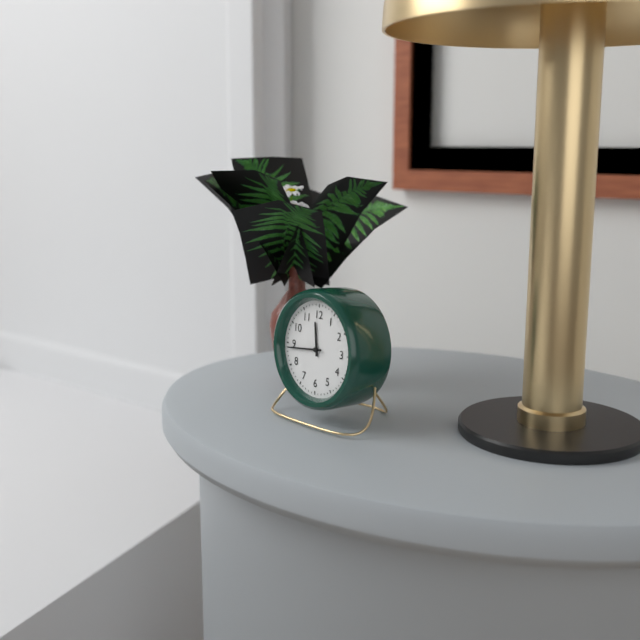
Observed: 11 h 44 min
